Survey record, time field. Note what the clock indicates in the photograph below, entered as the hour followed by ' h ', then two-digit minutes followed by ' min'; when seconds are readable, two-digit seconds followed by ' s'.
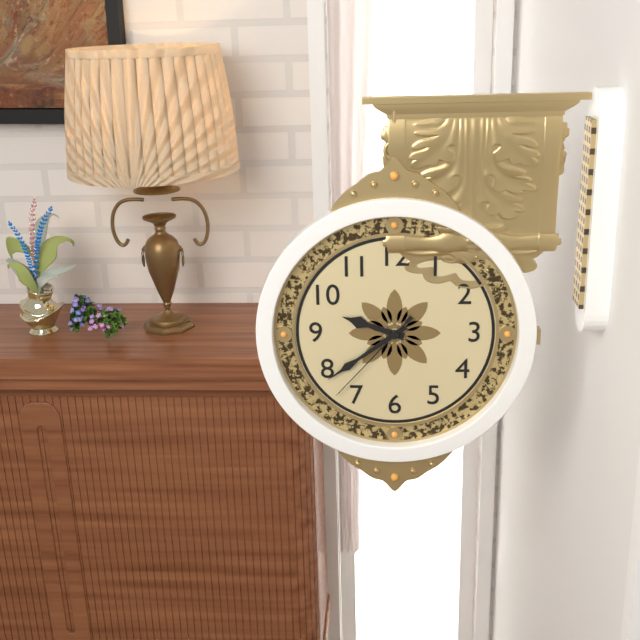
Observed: 9 h 39 min 37 s
